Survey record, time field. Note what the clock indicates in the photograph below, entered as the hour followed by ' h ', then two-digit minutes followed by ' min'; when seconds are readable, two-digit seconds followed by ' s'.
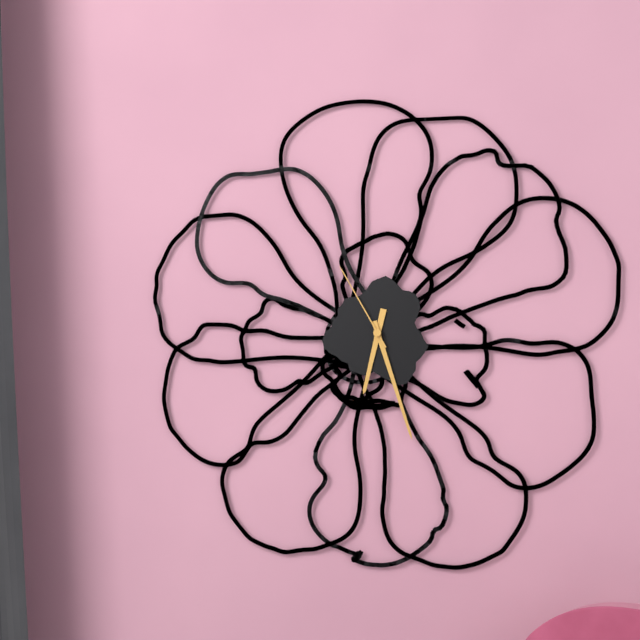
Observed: 6 h 27 min 55 s
